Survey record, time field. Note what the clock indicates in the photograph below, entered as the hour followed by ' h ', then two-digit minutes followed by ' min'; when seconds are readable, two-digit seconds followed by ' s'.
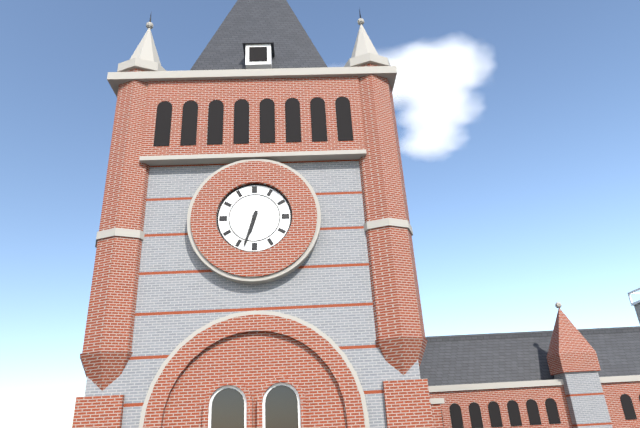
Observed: 6 h 33 min
